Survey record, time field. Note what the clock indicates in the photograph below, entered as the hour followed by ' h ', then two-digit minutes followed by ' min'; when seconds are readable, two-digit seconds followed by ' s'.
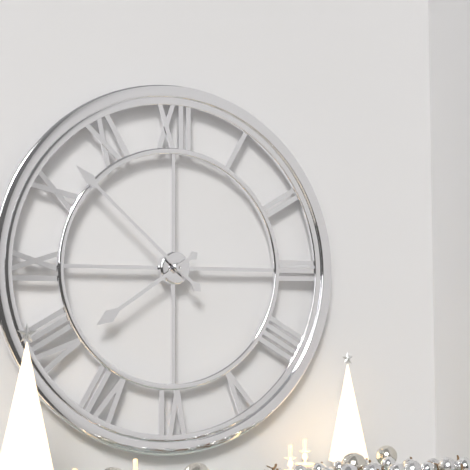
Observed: 7 h 52 min
